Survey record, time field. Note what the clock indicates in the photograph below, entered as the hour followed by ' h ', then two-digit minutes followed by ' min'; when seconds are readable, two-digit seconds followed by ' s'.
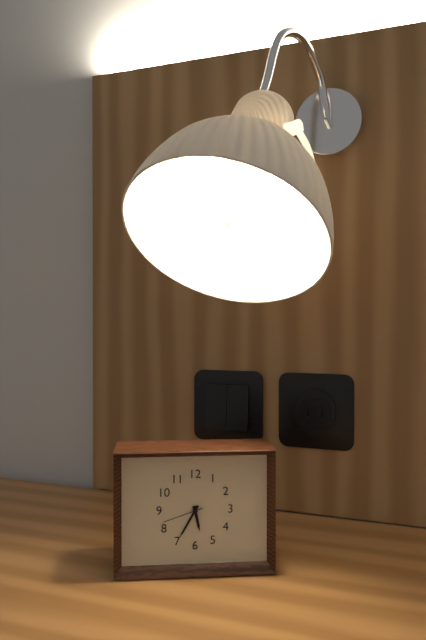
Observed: 5 h 35 min
